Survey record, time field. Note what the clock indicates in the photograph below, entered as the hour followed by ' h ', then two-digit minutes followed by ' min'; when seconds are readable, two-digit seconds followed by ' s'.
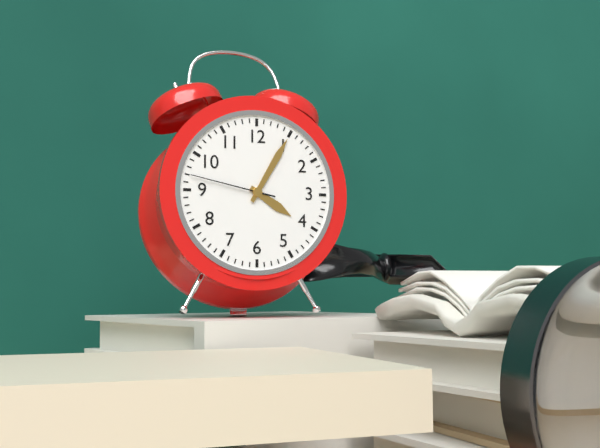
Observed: 4 h 05 min 47 s
